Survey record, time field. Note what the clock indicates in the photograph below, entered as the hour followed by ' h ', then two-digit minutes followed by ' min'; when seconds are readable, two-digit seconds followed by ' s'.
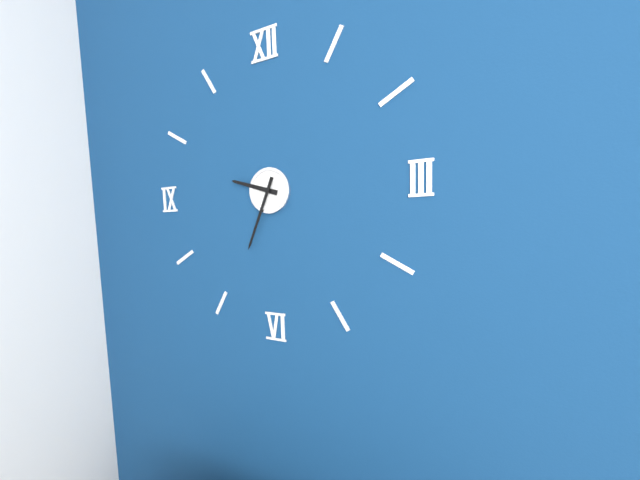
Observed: 9 h 34 min
